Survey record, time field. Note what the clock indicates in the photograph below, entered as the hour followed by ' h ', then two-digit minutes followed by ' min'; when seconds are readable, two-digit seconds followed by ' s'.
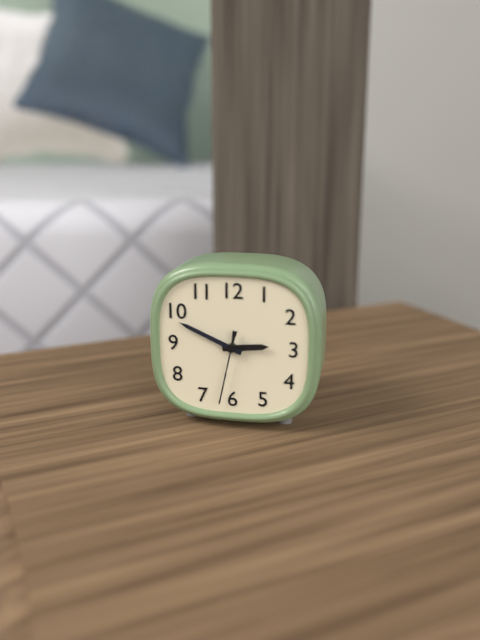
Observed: 2 h 49 min 32 s
